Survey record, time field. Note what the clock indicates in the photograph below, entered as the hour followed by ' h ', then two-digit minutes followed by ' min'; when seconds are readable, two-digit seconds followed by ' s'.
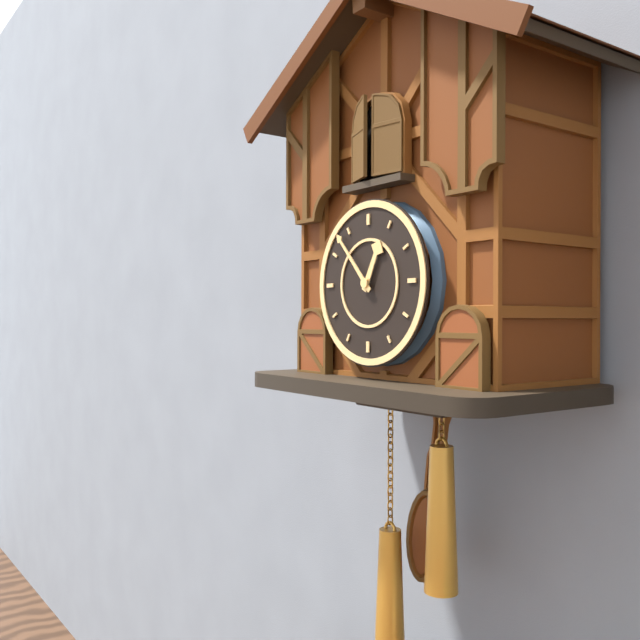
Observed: 12 h 53 min
